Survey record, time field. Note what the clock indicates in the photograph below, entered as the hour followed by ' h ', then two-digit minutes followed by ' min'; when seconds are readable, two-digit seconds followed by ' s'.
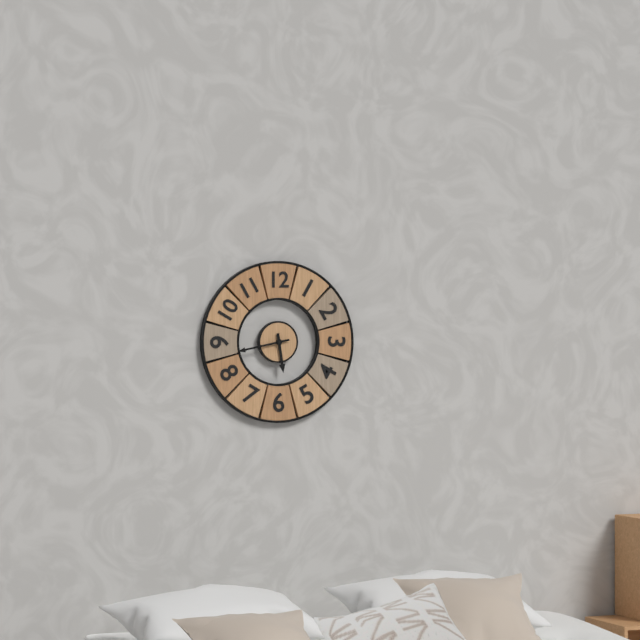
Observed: 5 h 43 min
